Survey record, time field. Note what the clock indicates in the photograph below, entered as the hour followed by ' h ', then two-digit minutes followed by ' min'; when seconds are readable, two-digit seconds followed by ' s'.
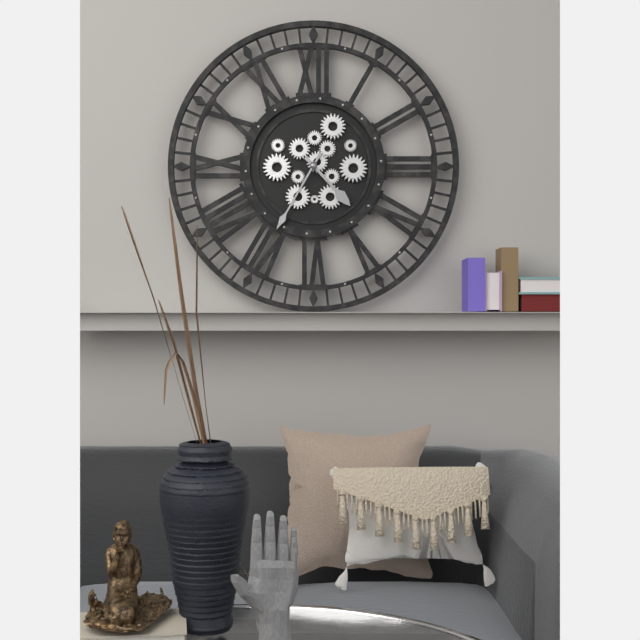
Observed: 4 h 35 min
